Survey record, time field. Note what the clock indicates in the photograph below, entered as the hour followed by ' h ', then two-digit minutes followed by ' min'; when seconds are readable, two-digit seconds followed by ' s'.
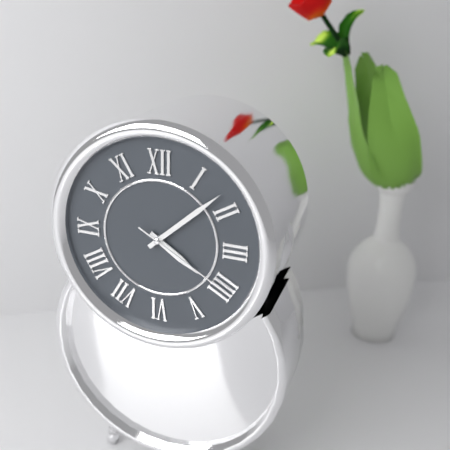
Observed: 4 h 08 min 20 s
